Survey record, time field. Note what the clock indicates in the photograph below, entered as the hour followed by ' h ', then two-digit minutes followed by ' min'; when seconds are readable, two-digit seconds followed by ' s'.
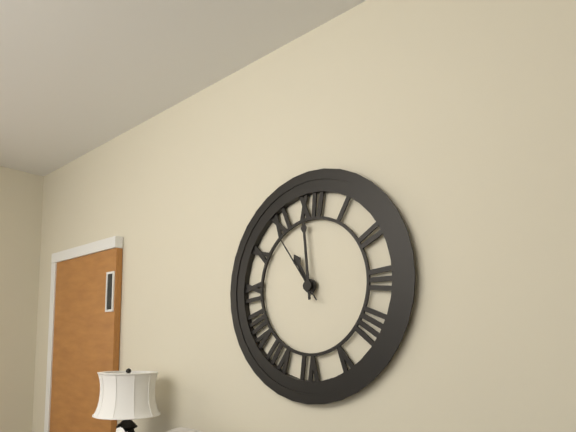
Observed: 10 h 59 min 54 s
